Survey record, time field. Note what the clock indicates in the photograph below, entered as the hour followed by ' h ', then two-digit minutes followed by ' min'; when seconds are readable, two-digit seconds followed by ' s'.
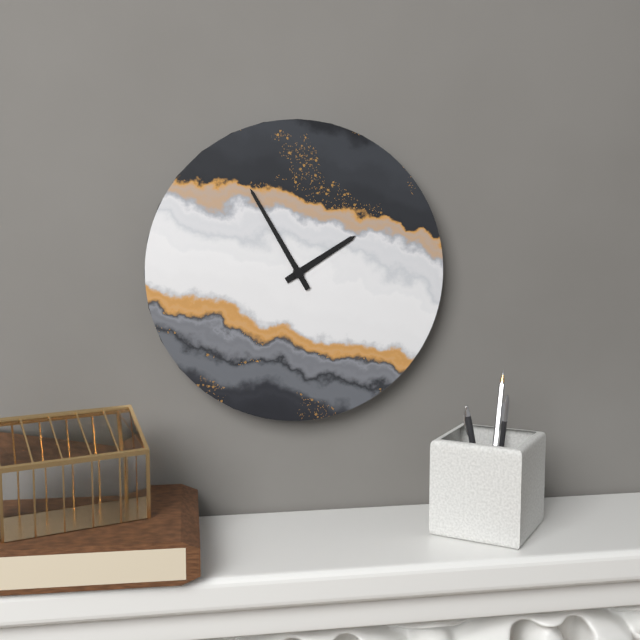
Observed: 1 h 55 min
